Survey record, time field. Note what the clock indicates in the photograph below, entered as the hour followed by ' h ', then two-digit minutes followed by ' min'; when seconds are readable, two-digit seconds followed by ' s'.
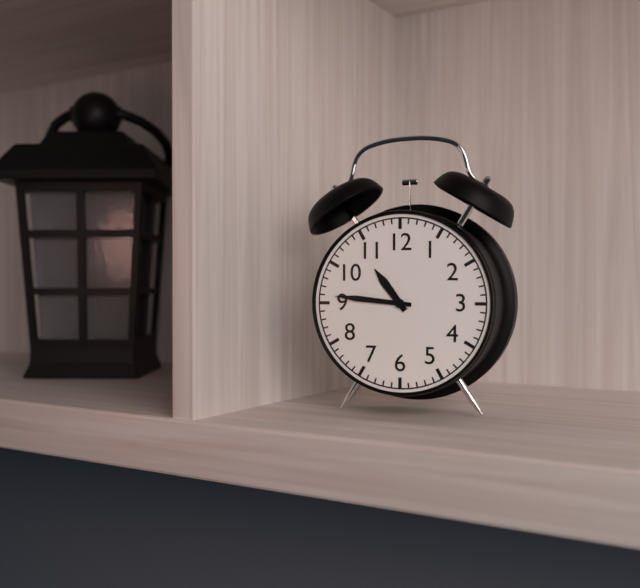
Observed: 10 h 46 min
